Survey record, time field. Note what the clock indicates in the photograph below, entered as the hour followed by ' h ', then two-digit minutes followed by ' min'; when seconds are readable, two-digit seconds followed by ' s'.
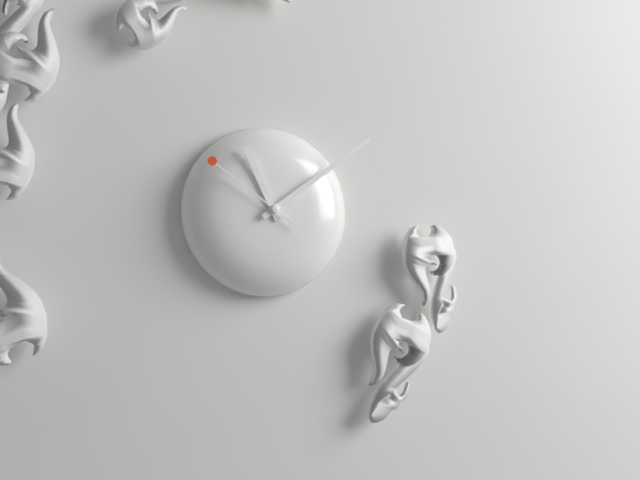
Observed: 11 h 09 min 51 s
